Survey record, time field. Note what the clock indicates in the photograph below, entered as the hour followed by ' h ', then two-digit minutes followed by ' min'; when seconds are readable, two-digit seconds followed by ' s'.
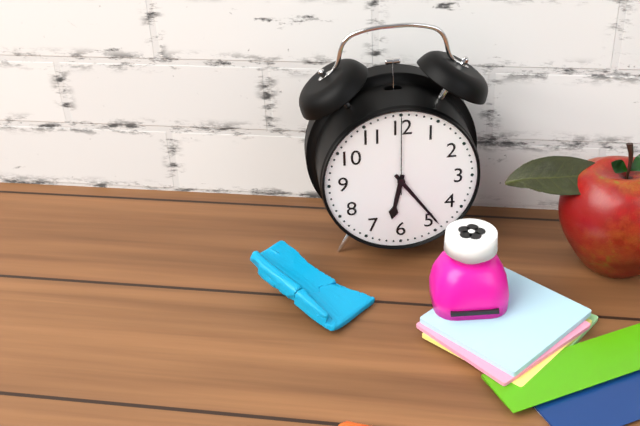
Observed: 6 h 24 min 00 s
